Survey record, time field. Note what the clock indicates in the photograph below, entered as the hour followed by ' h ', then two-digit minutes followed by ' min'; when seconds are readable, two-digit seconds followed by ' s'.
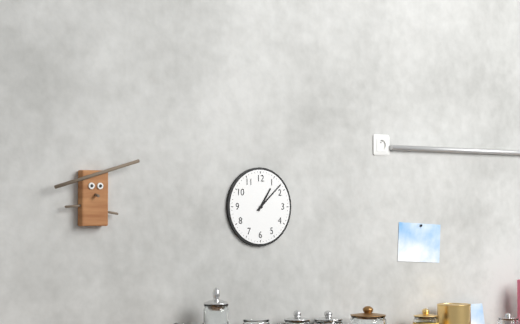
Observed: 1 h 08 min
